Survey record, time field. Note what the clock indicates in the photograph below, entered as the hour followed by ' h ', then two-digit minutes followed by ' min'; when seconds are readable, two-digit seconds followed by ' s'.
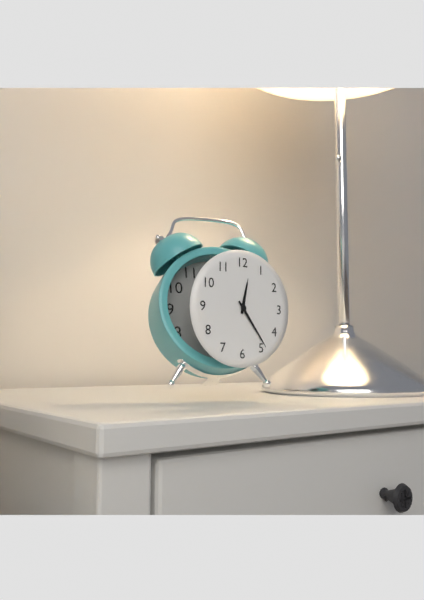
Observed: 12 h 24 min
